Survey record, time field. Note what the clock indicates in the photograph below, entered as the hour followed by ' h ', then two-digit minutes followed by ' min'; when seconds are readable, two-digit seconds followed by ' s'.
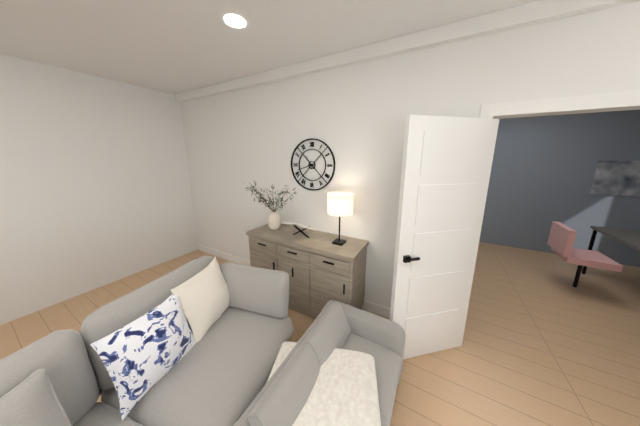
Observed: 10 h 42 min
